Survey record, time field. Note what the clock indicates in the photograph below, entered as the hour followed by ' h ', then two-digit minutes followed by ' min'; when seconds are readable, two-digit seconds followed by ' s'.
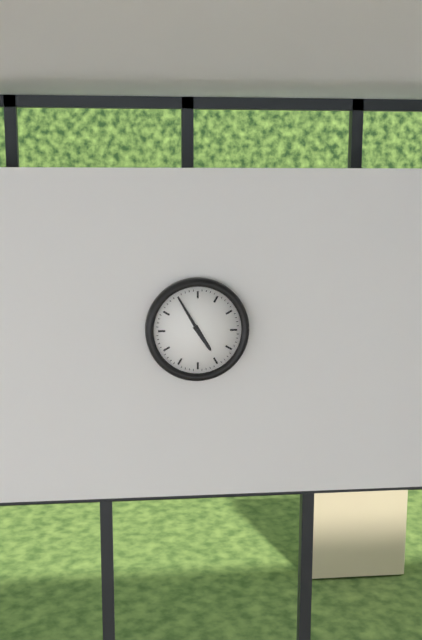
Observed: 4 h 55 min
